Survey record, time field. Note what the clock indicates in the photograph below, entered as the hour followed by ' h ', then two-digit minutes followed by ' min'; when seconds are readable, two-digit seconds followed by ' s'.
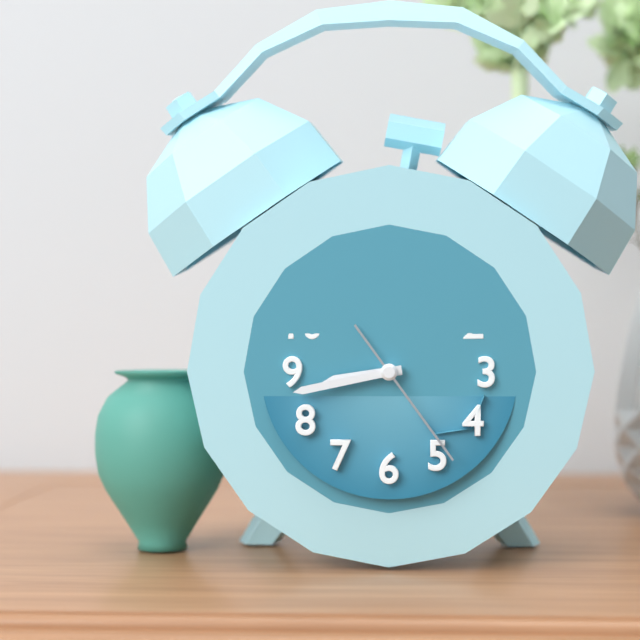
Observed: 8 h 43 min 24 s
